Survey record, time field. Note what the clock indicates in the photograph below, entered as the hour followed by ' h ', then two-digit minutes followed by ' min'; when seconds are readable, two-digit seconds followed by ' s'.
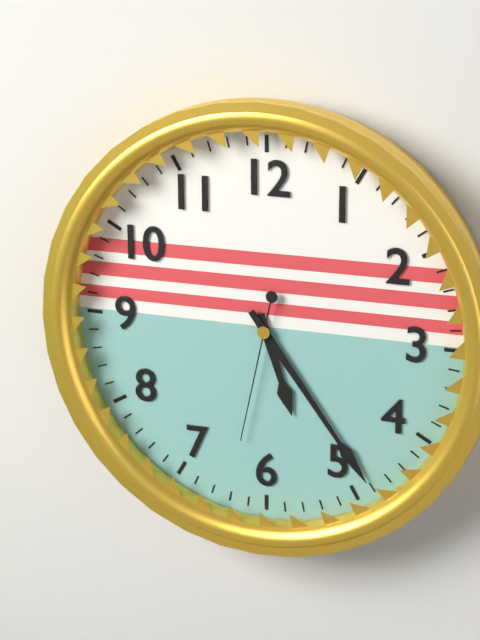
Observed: 5 h 24 min 32 s
